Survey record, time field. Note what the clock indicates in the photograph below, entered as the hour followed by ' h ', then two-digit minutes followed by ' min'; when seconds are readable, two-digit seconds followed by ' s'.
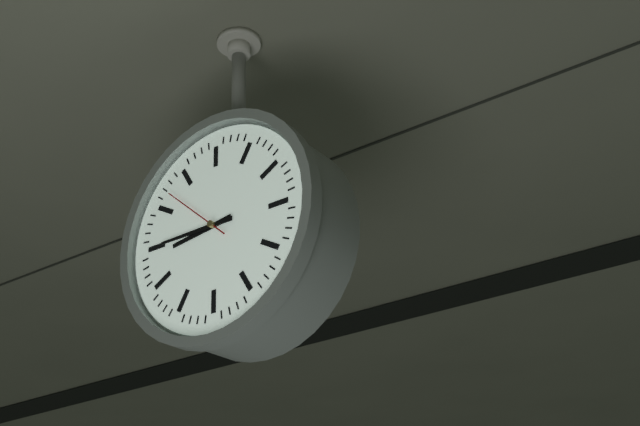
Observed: 8 h 45 min 52 s
